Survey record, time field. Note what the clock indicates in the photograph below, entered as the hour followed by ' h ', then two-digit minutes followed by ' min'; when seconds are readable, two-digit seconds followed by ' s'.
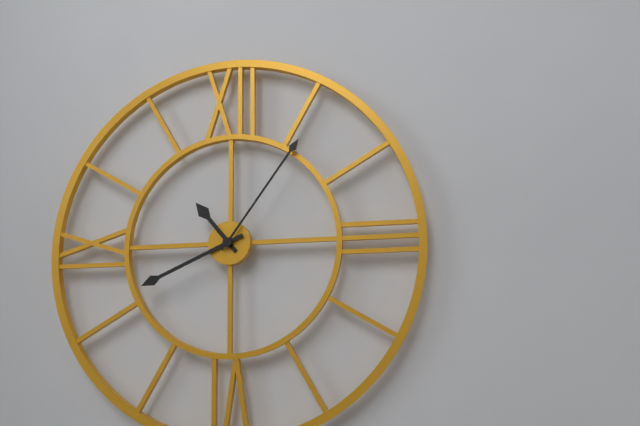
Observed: 10 h 41 min 06 s
